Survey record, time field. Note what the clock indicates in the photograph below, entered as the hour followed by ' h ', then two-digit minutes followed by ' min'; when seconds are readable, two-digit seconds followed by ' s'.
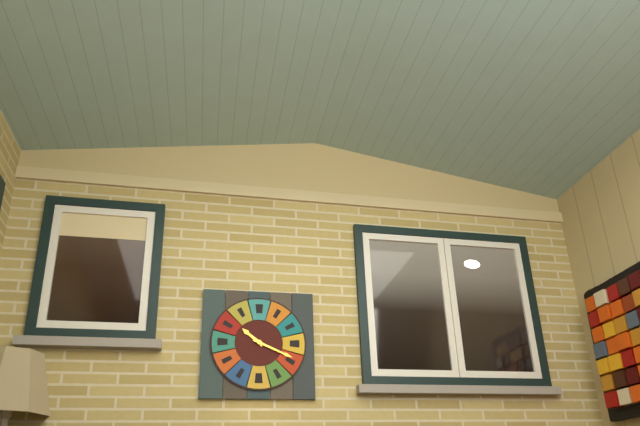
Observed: 10 h 19 min
